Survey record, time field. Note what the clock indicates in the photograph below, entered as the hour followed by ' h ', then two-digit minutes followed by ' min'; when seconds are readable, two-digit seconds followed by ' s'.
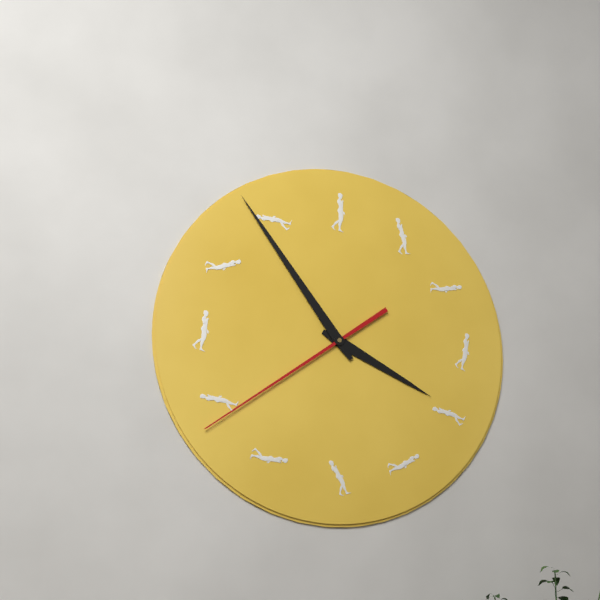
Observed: 3 h 54 min 39 s
